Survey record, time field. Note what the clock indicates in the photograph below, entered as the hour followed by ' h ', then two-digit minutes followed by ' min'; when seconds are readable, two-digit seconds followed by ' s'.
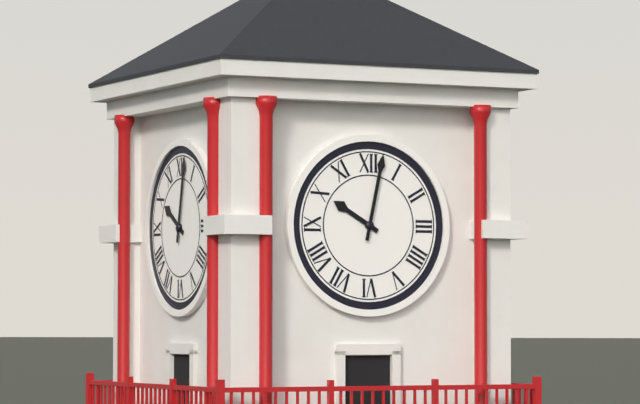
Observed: 10 h 02 min
